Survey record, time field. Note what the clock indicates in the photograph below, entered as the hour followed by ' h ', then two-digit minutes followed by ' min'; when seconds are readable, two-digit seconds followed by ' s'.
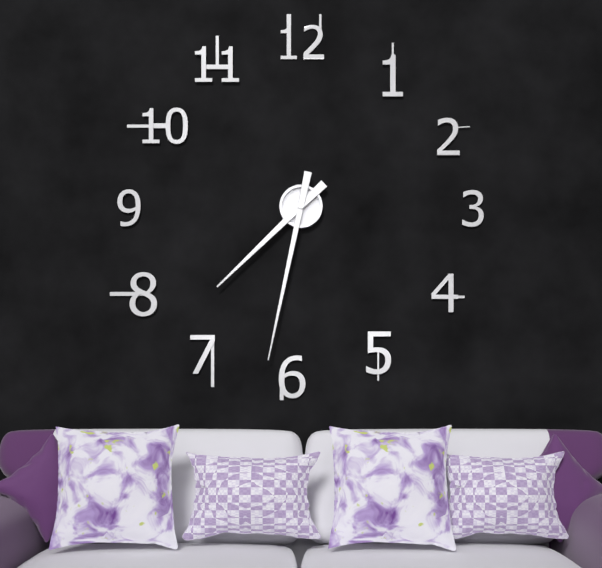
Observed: 7 h 32 min
